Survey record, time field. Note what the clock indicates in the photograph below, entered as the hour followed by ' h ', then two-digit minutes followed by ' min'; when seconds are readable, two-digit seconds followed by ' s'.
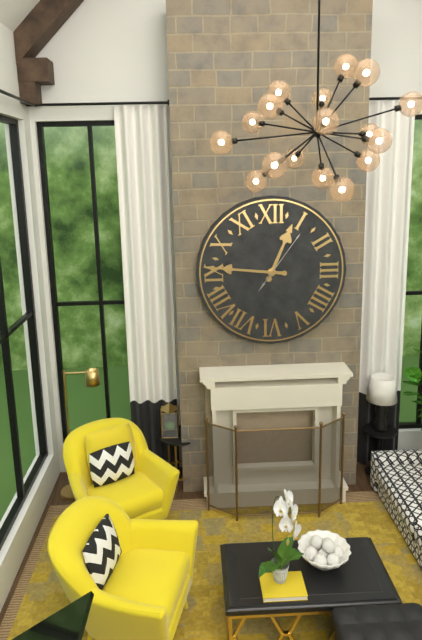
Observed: 12 h 46 min 06 s
